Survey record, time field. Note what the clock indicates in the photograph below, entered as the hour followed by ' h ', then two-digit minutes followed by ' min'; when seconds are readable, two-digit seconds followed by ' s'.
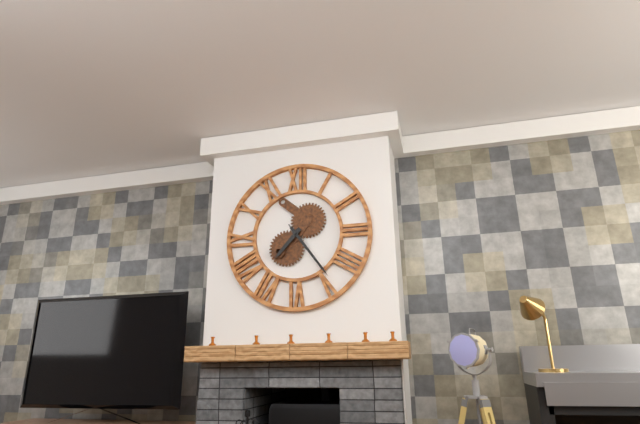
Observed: 7 h 24 min 24 s
